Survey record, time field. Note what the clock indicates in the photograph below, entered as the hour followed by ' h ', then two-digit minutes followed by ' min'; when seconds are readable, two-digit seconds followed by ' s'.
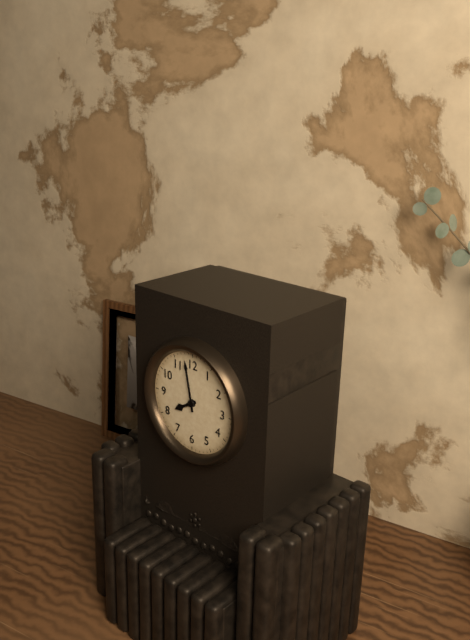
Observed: 7 h 58 min
